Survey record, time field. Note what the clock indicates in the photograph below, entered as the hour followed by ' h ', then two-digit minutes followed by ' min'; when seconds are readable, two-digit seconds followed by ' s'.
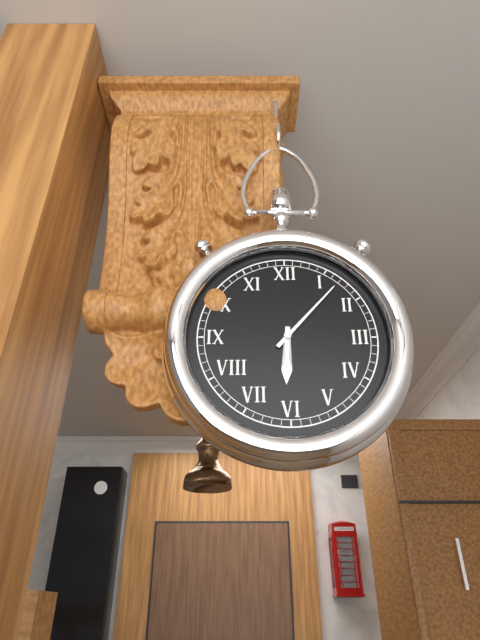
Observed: 6 h 07 min
